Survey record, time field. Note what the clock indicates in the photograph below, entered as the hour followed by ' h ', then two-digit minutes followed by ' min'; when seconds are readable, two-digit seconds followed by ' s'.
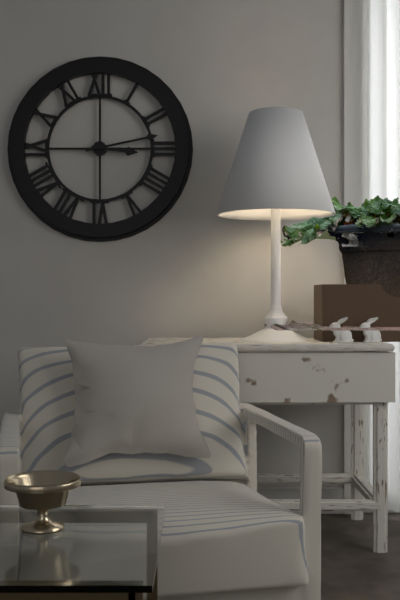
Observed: 3 h 13 min
